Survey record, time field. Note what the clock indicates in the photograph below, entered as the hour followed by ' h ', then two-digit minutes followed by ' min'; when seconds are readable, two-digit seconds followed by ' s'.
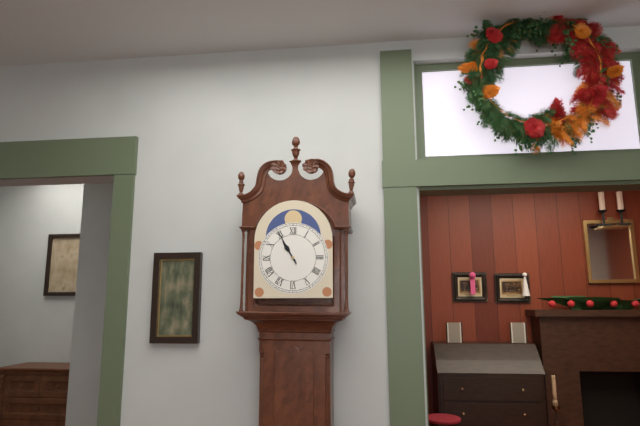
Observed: 10 h 55 min
